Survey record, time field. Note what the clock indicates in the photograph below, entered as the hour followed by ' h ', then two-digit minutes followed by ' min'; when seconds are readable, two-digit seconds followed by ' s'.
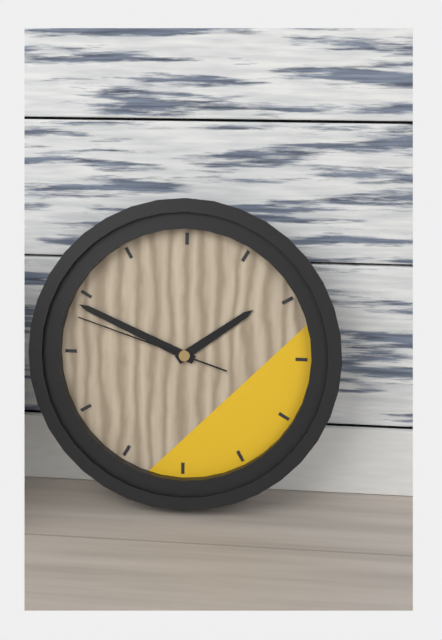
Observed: 1 h 49 min 48 s
